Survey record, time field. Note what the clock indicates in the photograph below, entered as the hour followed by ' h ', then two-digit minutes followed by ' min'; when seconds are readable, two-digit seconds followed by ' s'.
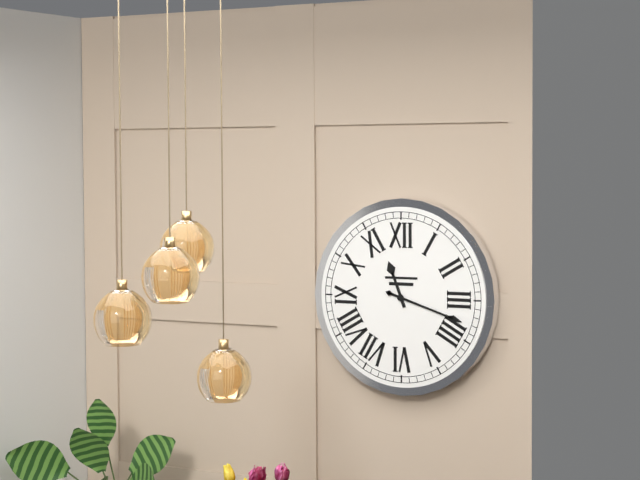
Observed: 11 h 18 min
